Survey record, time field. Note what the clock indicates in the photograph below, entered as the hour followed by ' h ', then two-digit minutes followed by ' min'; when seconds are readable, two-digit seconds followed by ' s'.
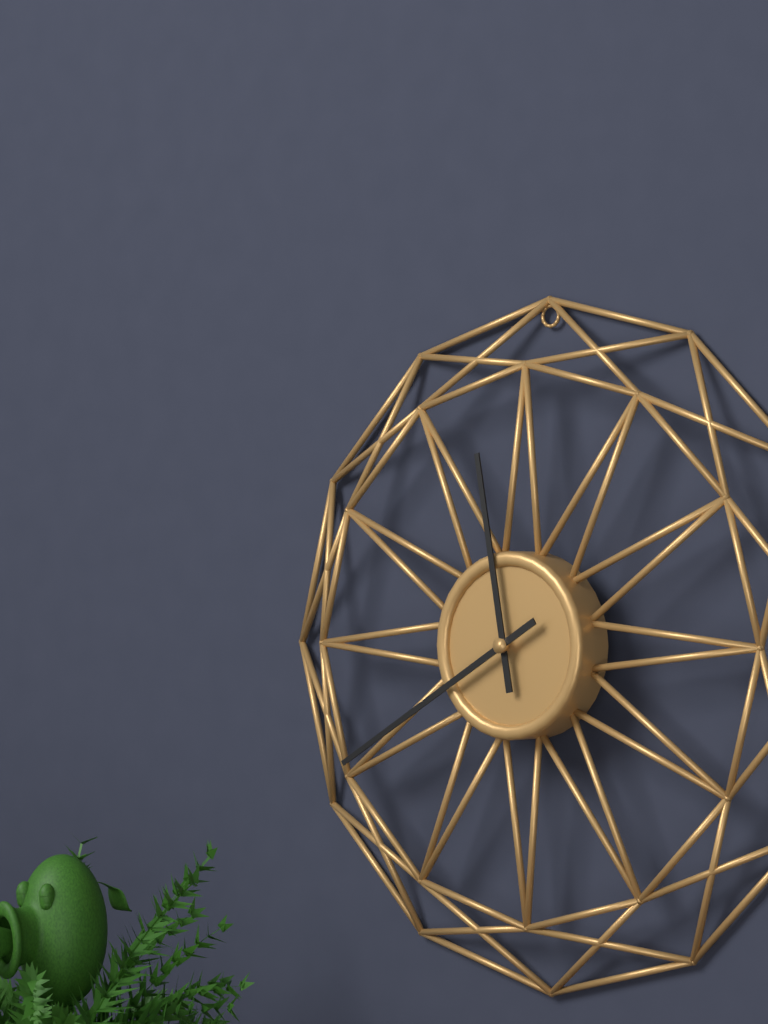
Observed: 11 h 40 min
